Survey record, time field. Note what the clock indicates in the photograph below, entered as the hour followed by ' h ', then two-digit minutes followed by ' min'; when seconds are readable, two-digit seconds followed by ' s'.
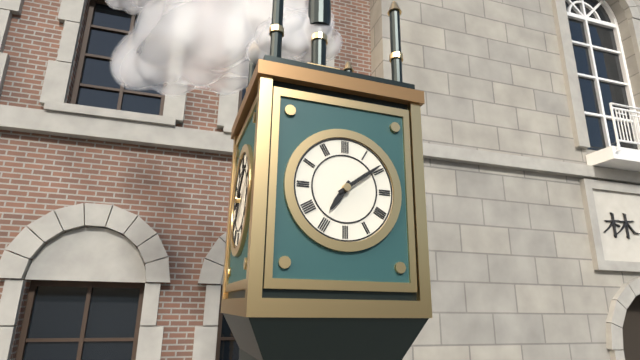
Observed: 7 h 09 min
